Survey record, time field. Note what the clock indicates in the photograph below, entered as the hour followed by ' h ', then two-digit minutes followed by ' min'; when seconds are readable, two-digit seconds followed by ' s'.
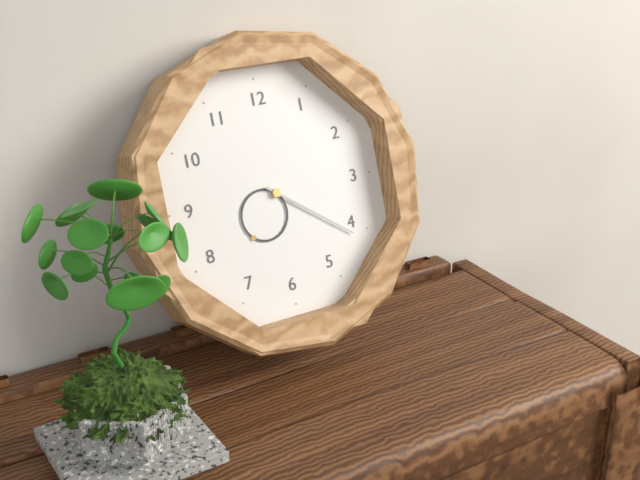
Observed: 7 h 21 min
